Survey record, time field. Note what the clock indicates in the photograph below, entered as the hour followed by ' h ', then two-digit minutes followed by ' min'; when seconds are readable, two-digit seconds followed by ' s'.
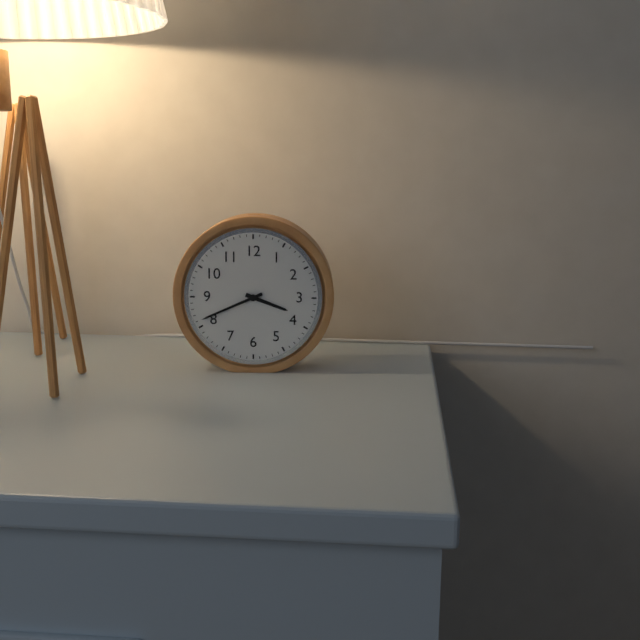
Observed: 3 h 41 min
